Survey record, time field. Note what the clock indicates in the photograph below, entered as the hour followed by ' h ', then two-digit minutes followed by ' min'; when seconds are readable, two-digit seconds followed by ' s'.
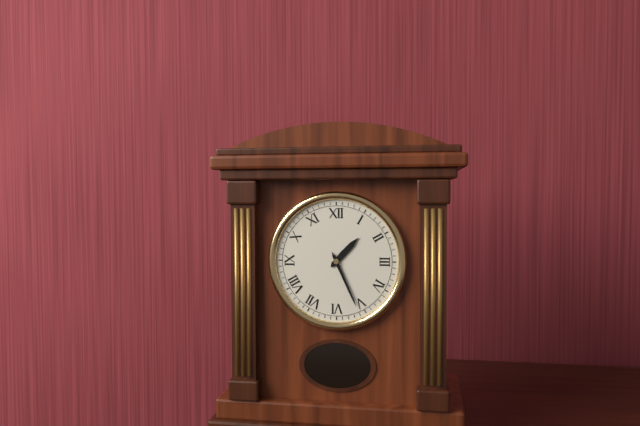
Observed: 1 h 26 min
